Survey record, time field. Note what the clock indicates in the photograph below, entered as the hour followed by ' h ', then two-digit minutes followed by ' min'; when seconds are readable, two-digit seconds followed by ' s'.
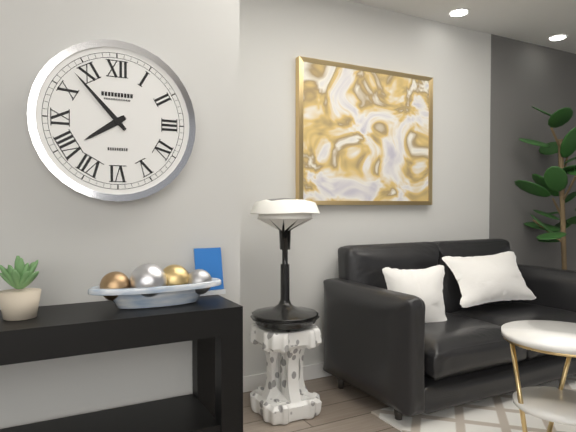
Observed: 7 h 53 min
